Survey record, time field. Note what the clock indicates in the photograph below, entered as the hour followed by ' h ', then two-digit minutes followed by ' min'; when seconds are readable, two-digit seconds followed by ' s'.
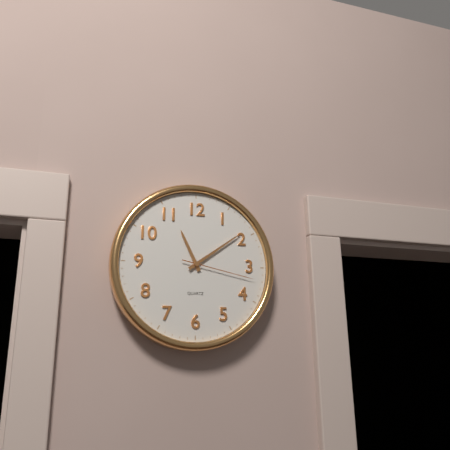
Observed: 11 h 09 min 17 s
